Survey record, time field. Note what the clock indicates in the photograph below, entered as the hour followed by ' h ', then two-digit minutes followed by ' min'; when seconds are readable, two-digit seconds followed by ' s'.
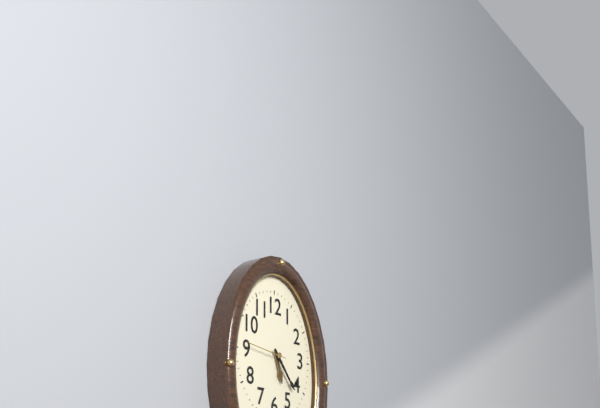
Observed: 5 h 23 min
